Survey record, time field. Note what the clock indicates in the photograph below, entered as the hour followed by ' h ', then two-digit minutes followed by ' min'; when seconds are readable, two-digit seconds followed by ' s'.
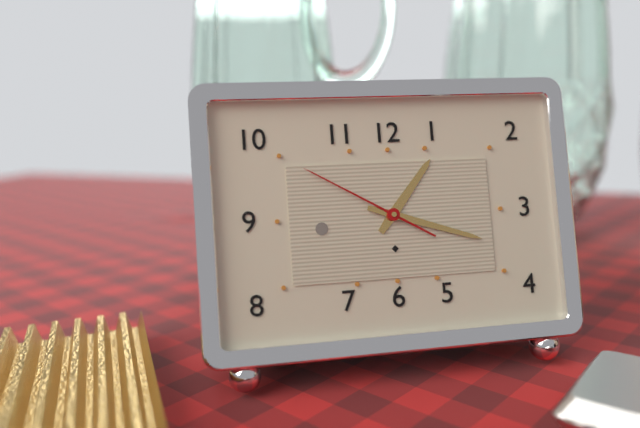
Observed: 1 h 18 min 50 s
